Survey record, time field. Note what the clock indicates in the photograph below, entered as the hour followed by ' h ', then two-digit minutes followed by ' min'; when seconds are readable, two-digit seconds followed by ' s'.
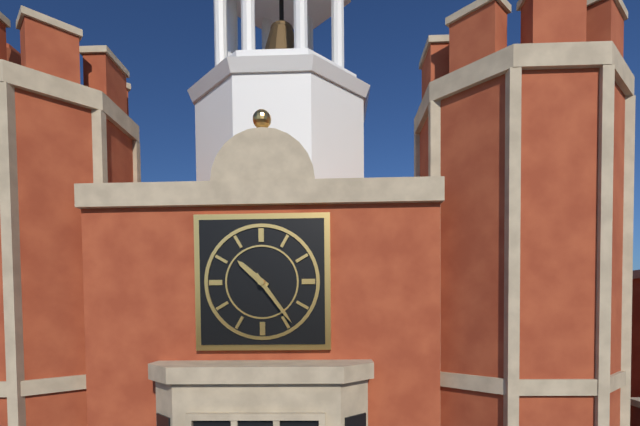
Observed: 10 h 24 min
